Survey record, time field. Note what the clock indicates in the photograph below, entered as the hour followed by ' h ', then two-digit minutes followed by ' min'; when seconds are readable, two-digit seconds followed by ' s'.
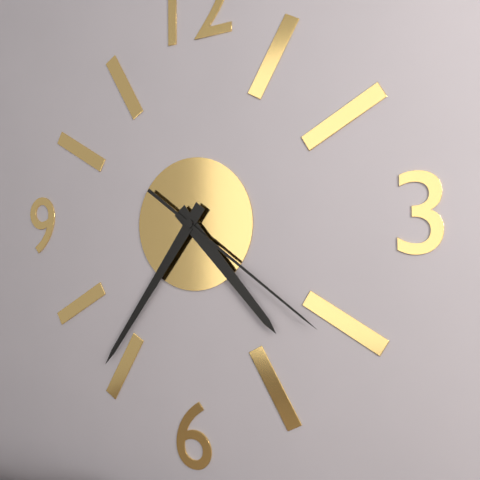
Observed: 4 h 36 min 21 s
